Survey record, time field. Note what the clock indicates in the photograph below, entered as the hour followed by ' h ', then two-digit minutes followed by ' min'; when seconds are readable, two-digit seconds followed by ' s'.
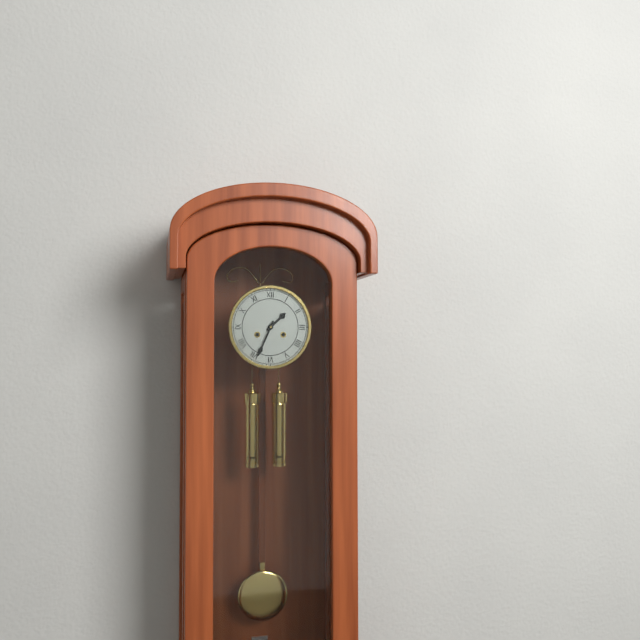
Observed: 1 h 34 min
